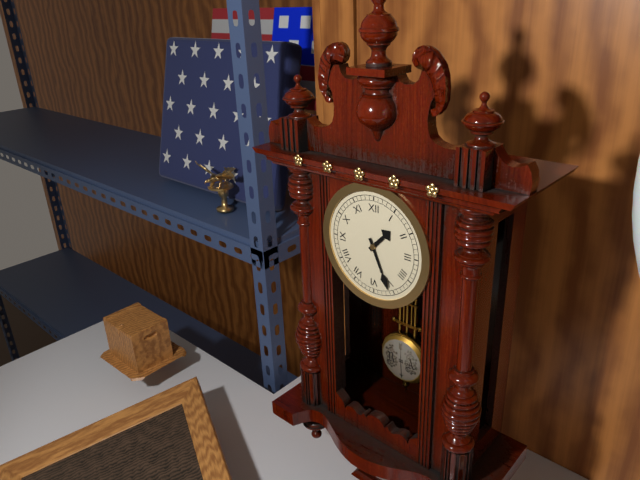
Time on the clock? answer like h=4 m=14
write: h=1 m=26
